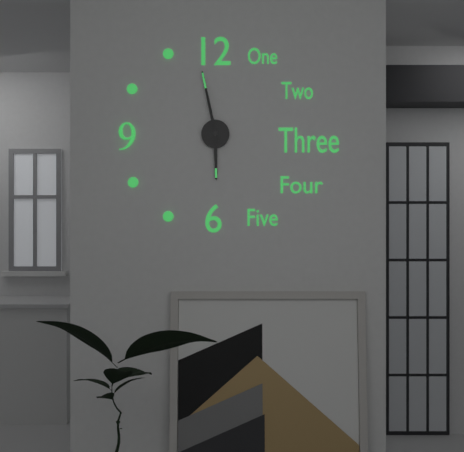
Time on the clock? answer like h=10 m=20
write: h=5 m=58
